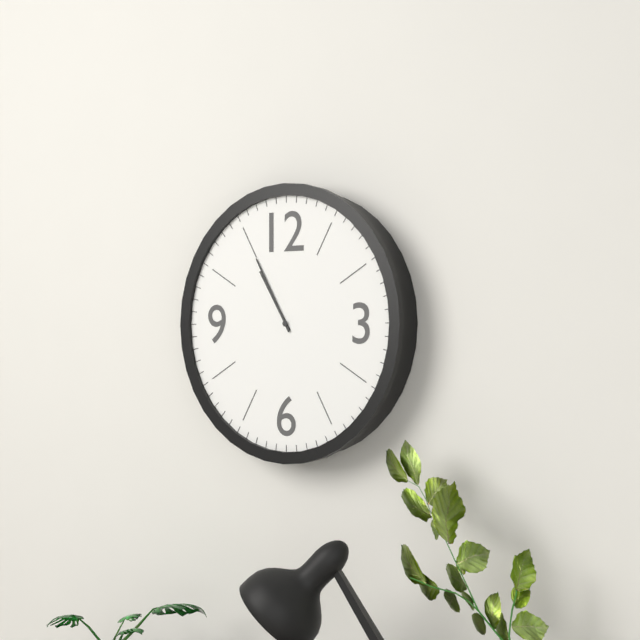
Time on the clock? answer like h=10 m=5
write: h=10 m=55
